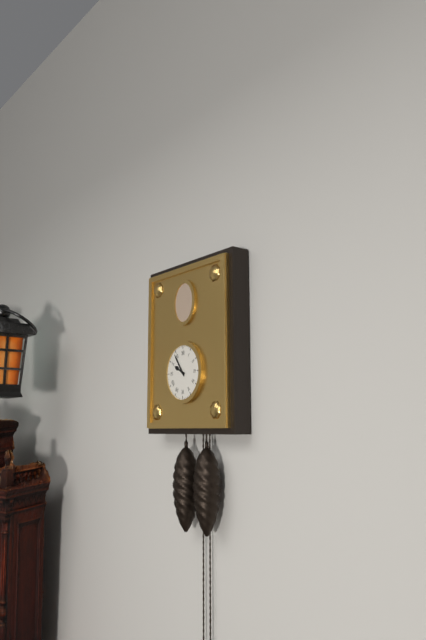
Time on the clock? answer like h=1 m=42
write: h=9 m=54
